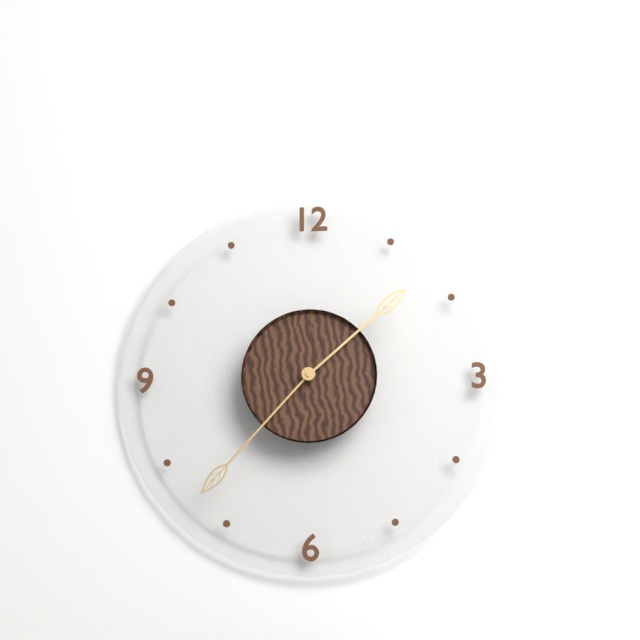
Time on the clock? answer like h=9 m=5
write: h=1 m=37
